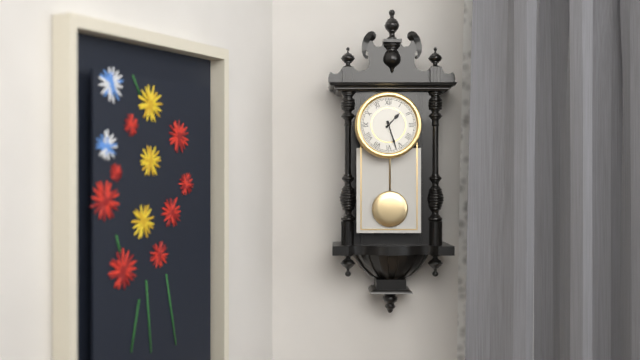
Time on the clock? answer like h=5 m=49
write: h=1 m=27
